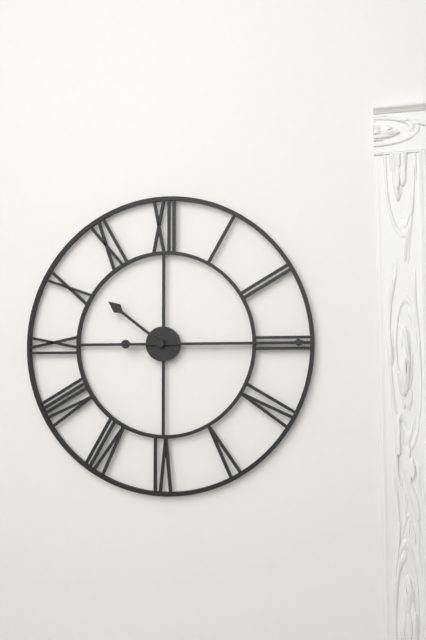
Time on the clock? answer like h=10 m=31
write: h=10 m=15
